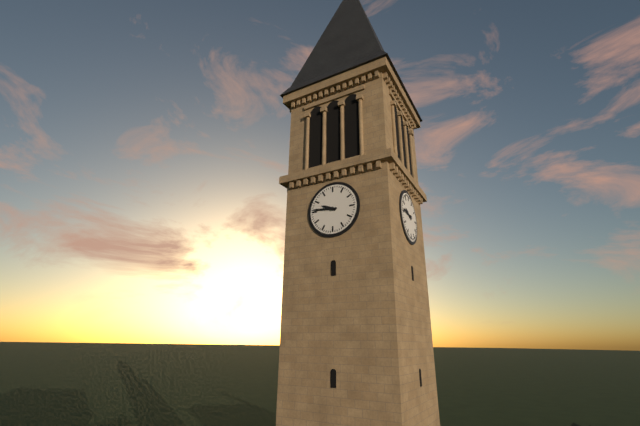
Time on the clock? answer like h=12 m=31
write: h=9 m=46
